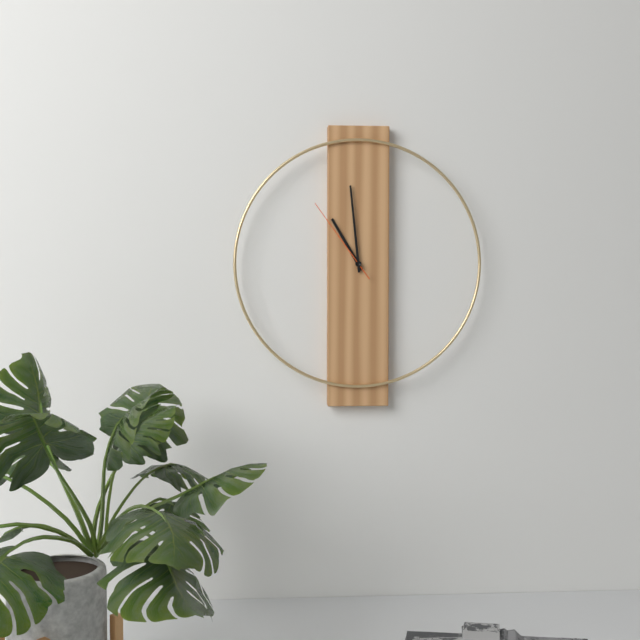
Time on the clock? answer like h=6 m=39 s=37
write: h=10 m=59 s=54
